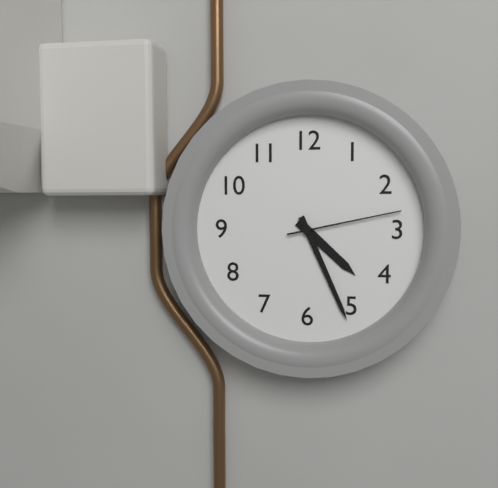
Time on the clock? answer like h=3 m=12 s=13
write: h=4 m=26 s=13
